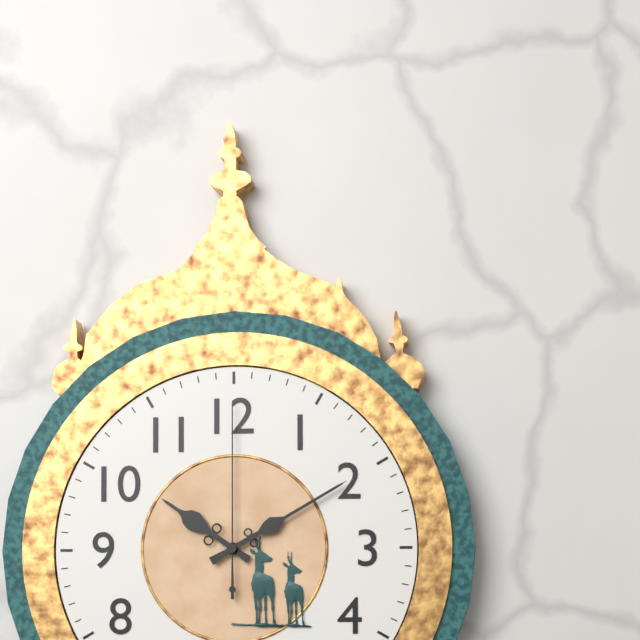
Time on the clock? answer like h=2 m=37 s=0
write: h=10 m=10 s=0
